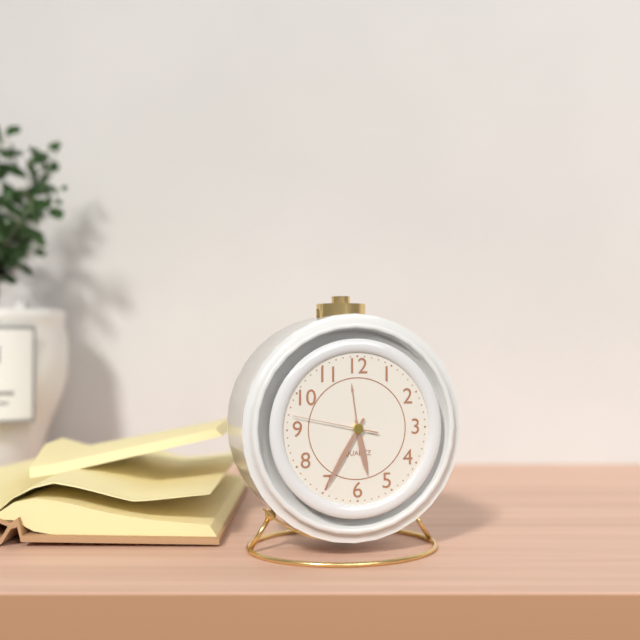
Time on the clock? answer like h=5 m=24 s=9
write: h=5 m=35 s=47
